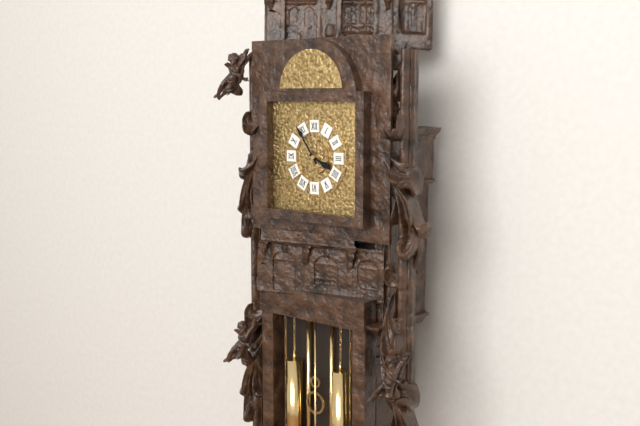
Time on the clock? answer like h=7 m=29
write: h=3 m=54
